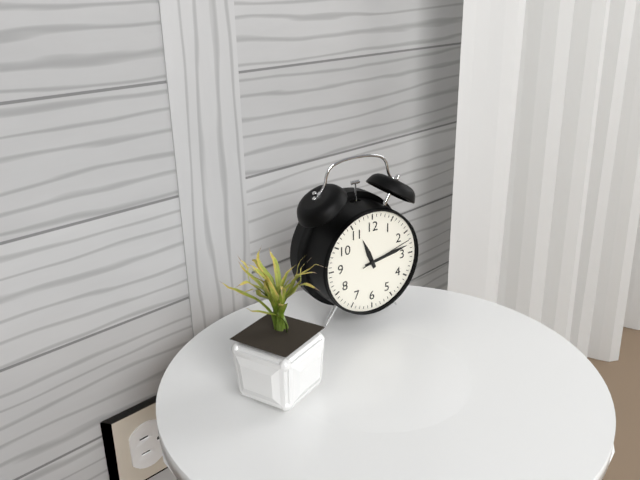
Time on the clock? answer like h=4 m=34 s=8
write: h=11 m=13 s=12
